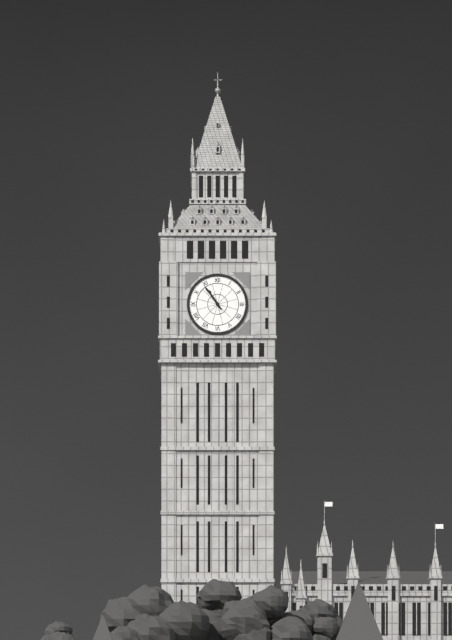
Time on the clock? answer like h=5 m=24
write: h=10 m=54
